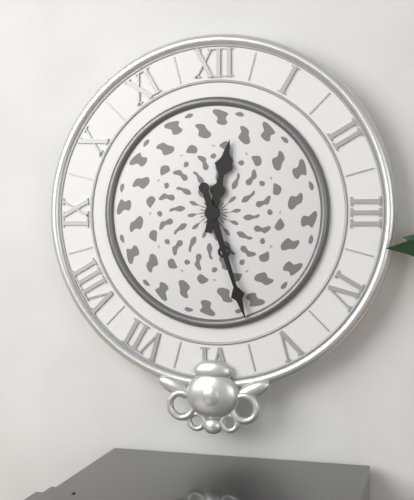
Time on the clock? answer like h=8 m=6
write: h=12 m=27
